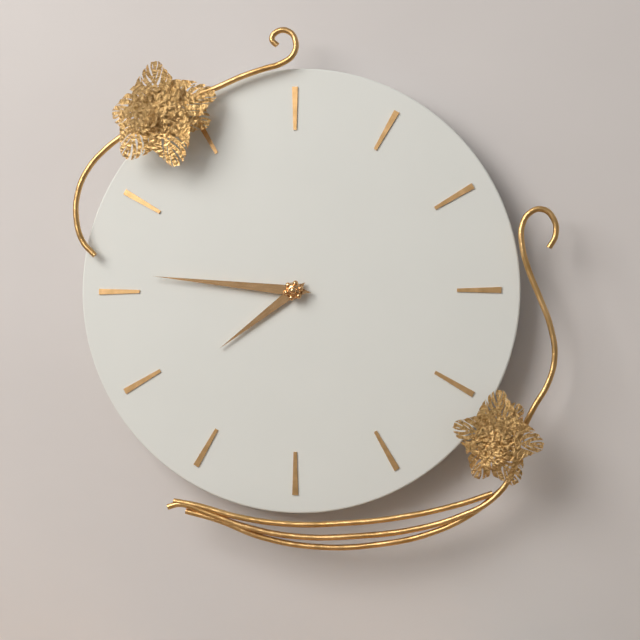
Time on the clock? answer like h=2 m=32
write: h=7 m=46
